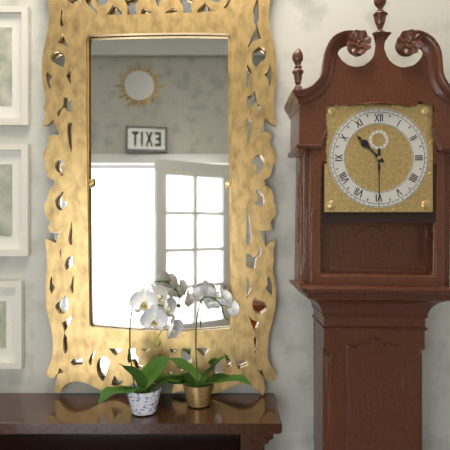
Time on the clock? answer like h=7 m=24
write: h=10 m=30
